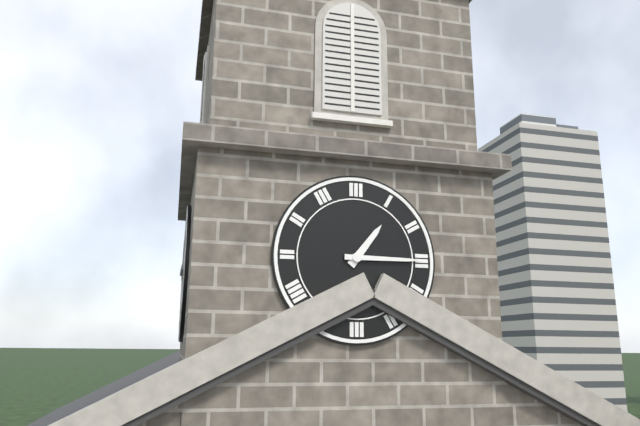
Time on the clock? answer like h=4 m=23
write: h=1 m=15
